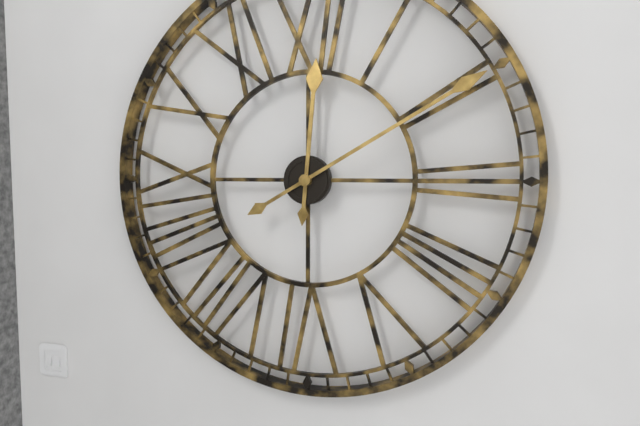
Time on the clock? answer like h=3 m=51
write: h=12 m=10
